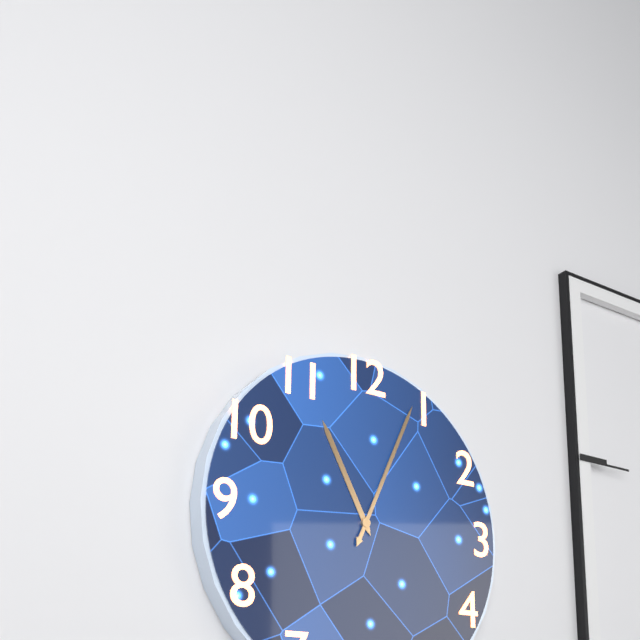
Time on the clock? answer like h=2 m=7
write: h=11 m=4
